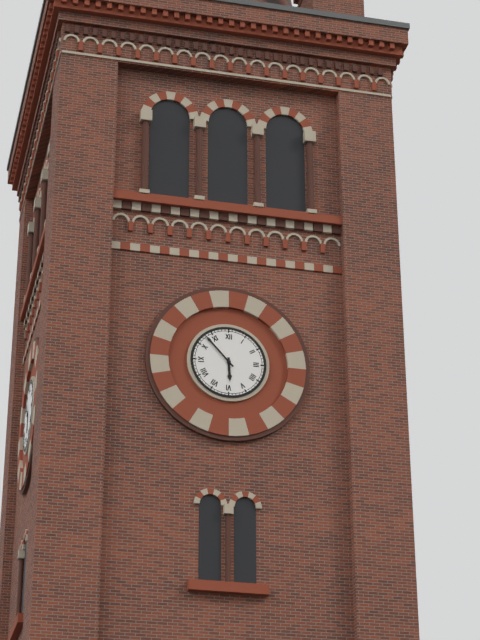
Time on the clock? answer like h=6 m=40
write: h=5 m=53
